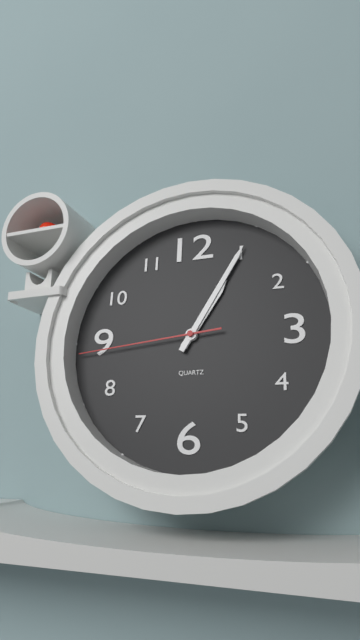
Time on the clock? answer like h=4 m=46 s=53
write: h=1 m=5 s=44
